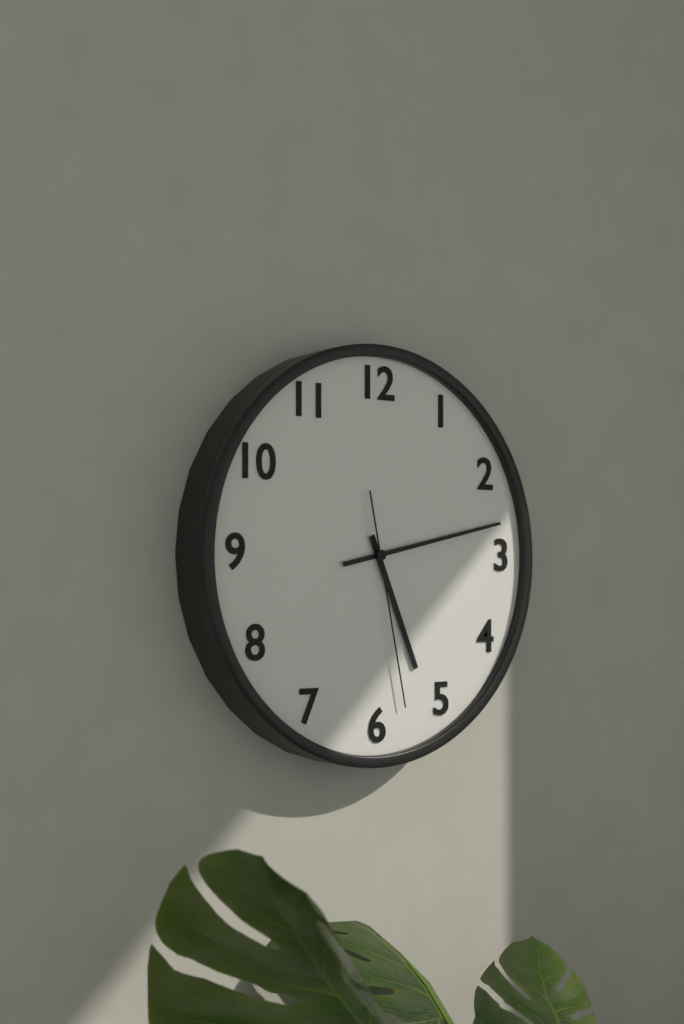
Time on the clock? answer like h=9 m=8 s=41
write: h=5 m=13 s=28
